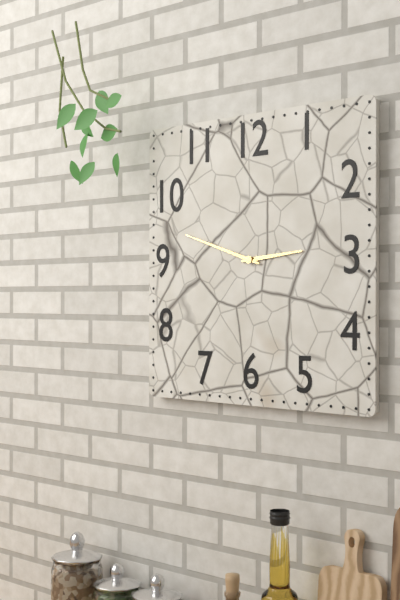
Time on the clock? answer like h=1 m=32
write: h=2 m=48
